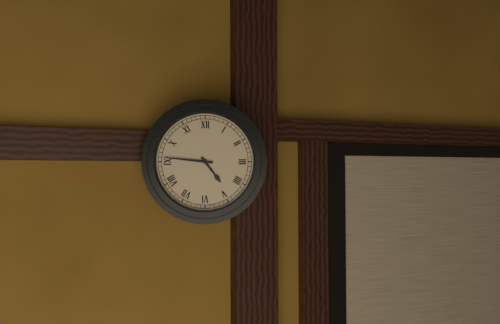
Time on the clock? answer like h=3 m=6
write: h=4 m=46
